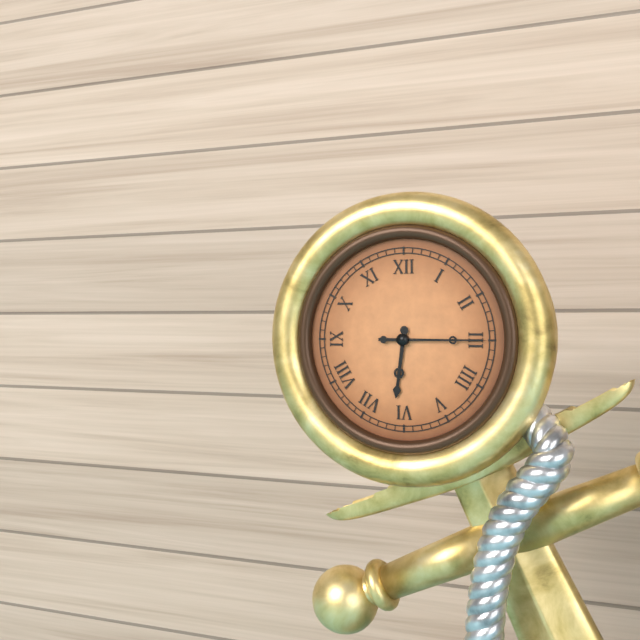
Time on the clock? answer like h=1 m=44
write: h=6 m=15
